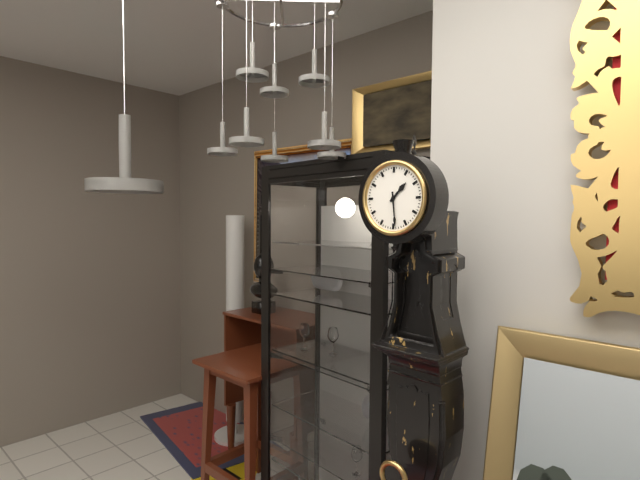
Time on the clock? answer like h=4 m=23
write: h=1 m=29
